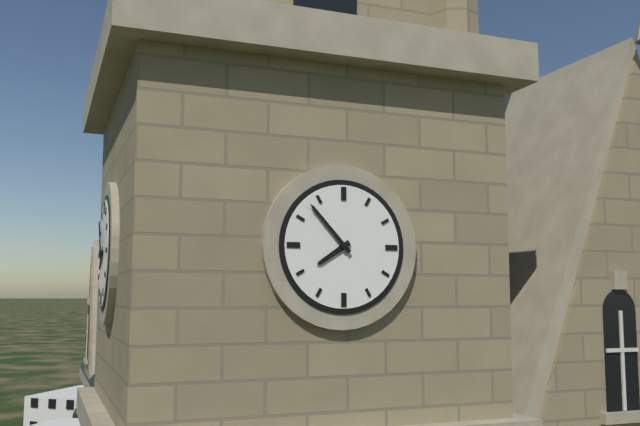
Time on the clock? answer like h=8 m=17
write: h=7 m=53
